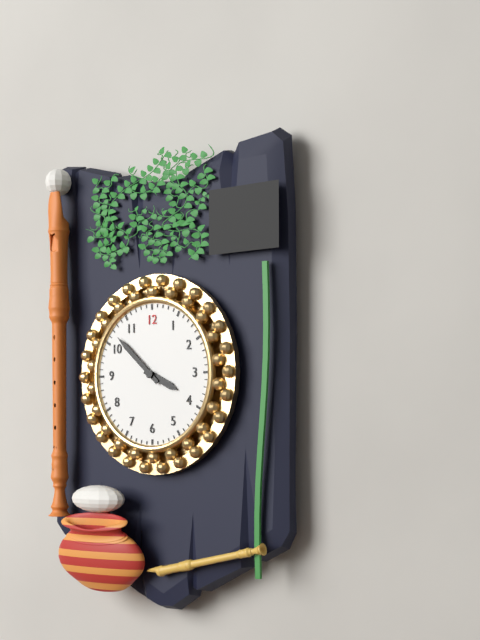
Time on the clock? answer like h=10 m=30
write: h=3 m=52
